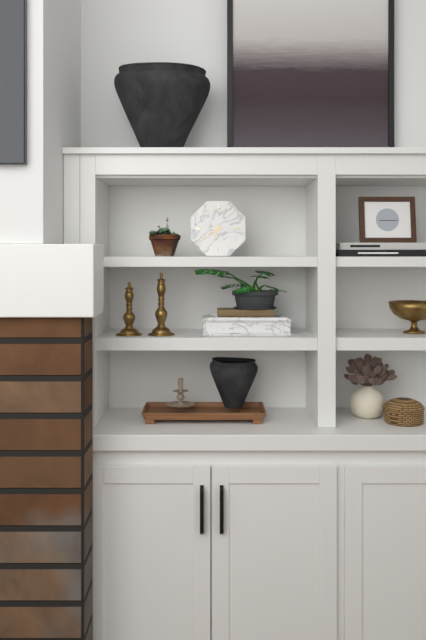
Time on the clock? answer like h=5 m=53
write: h=6 m=39
